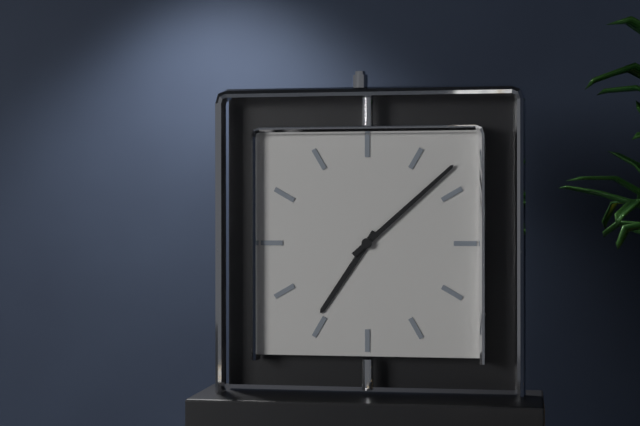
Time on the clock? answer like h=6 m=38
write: h=7 m=8
